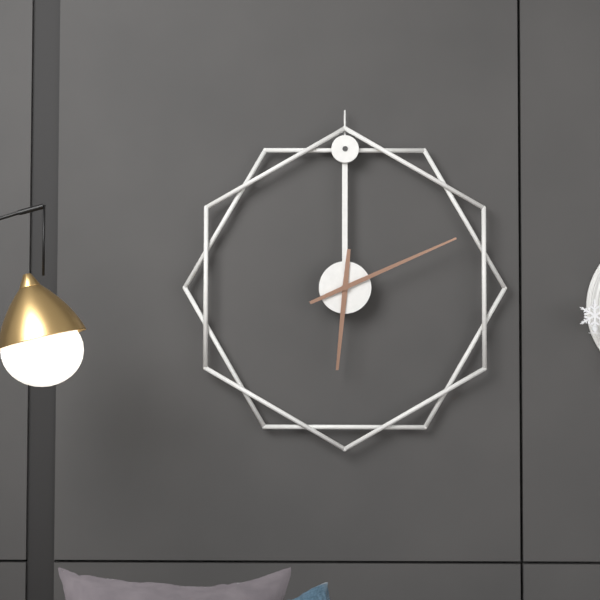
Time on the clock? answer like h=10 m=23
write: h=6 m=11
